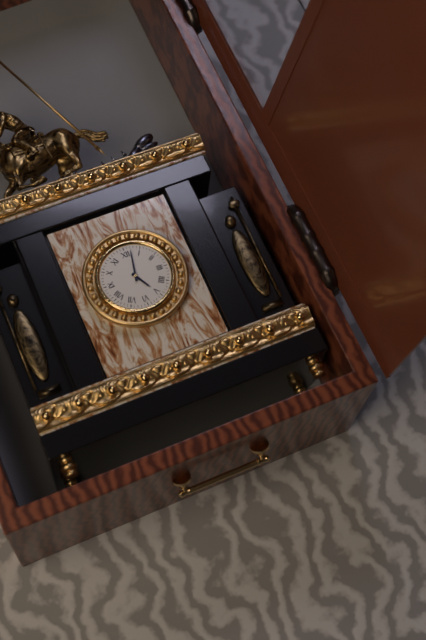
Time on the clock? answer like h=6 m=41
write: h=5 m=2
